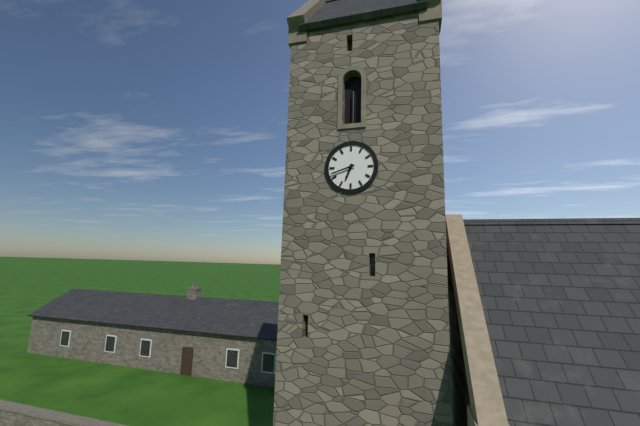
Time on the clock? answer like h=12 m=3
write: h=6 m=42
